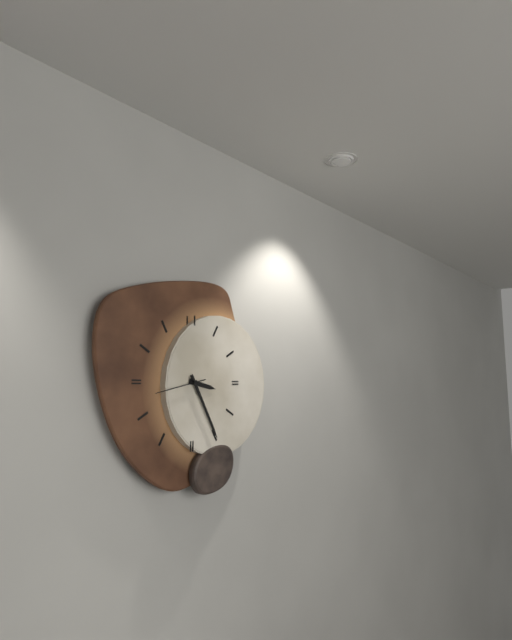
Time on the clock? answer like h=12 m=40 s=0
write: h=3 m=25 s=43
